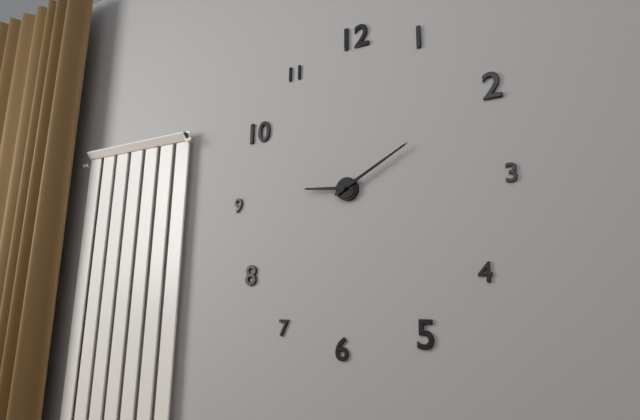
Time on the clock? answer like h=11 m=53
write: h=9 m=10
